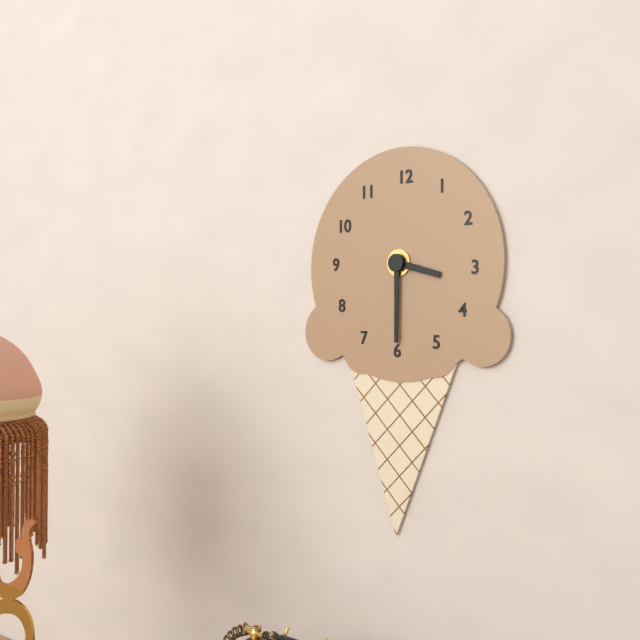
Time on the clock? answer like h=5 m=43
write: h=3 m=30
